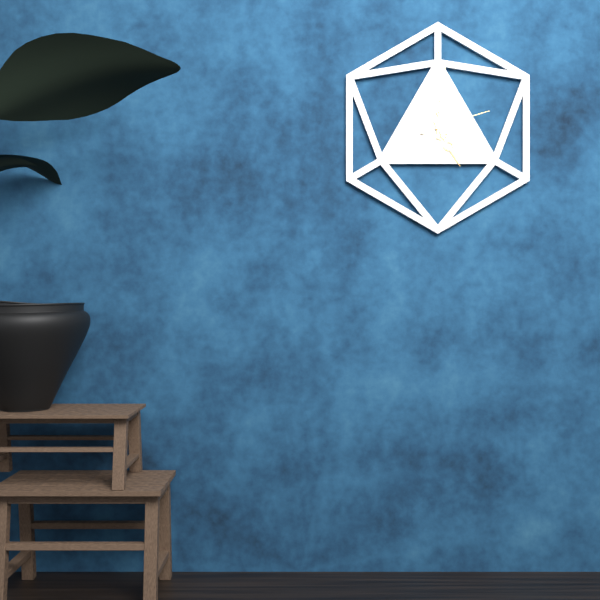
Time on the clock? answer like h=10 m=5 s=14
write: h=5 m=1 s=12
